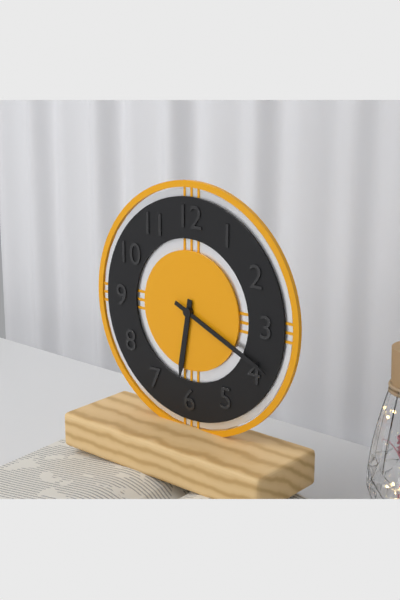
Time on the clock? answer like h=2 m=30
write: h=6 m=19
